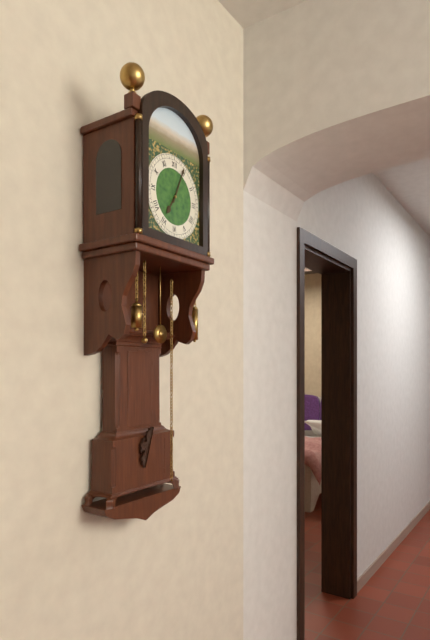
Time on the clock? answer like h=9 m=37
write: h=7 m=4
